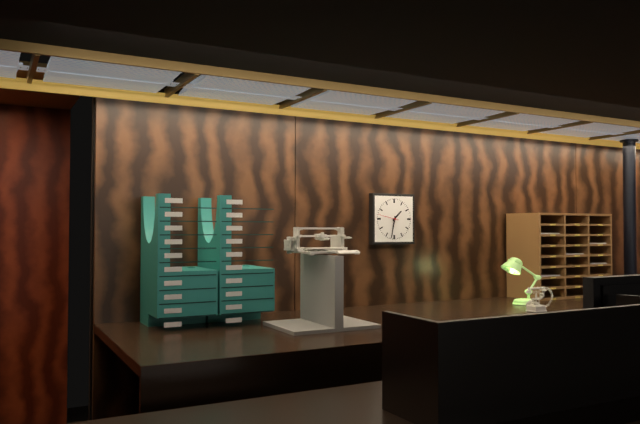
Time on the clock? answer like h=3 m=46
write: h=1 m=32
